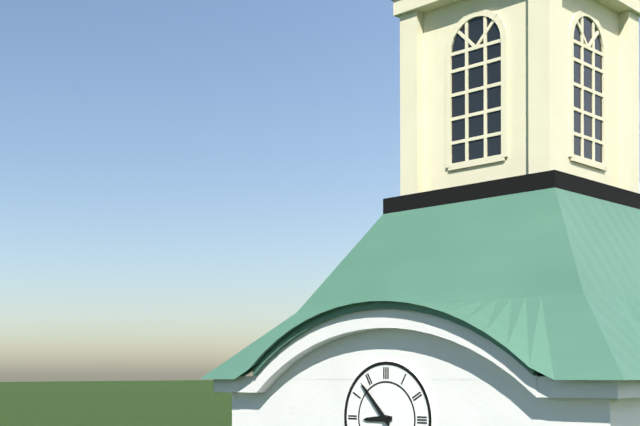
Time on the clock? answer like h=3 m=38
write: h=8 m=53
